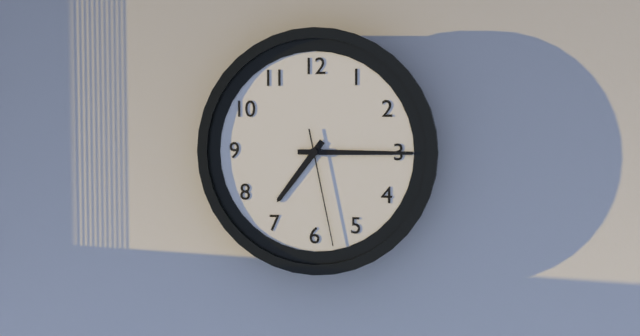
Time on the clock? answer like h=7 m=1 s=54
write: h=7 m=15 s=28
